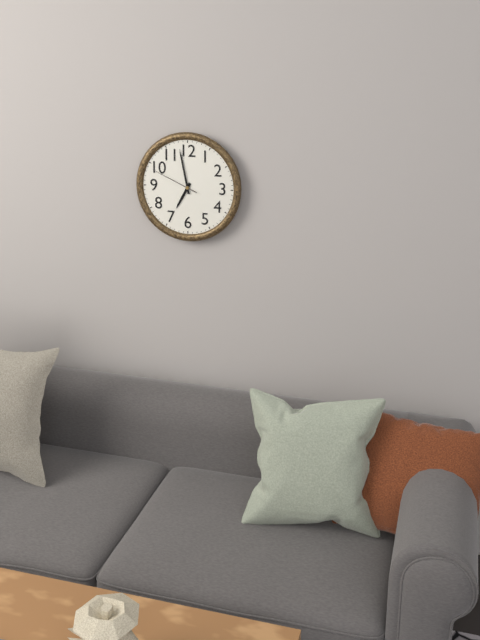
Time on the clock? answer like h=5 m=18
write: h=6 m=58
